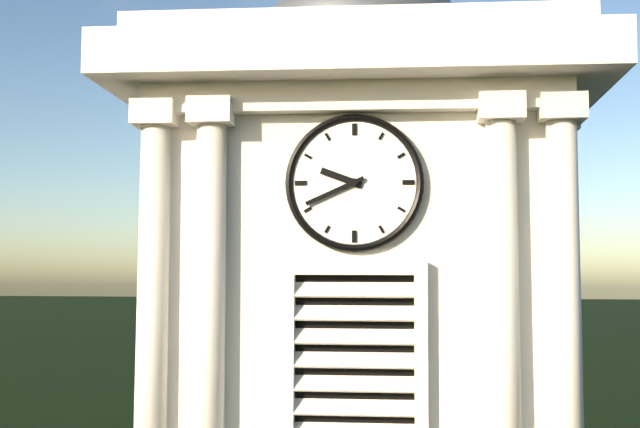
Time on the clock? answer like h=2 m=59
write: h=9 m=41
